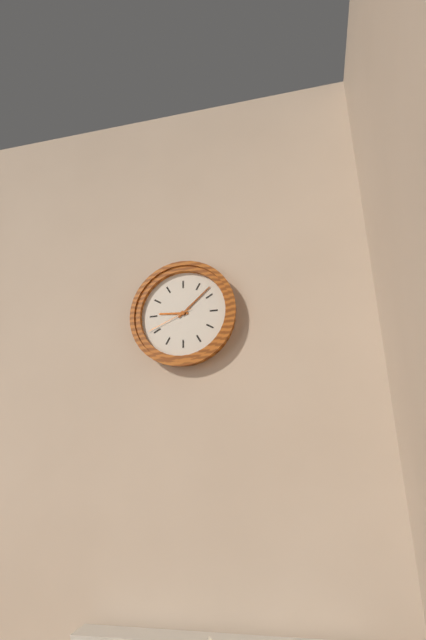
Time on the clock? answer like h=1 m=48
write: h=9 m=8
